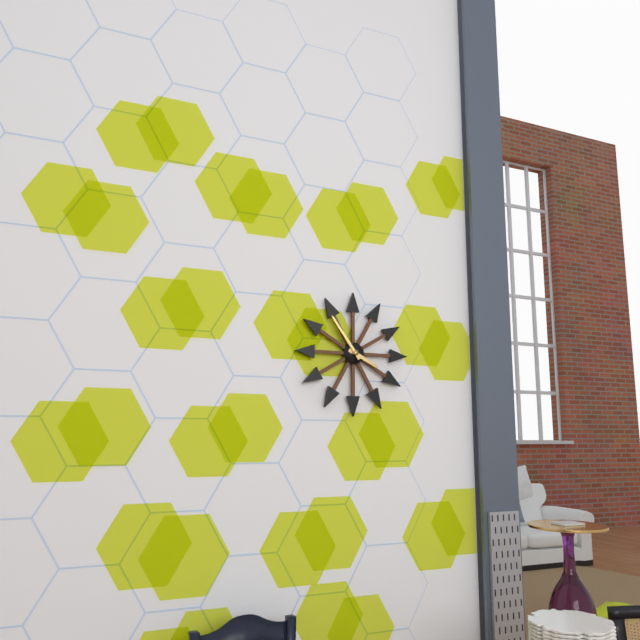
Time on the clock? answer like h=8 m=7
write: h=3 m=54
